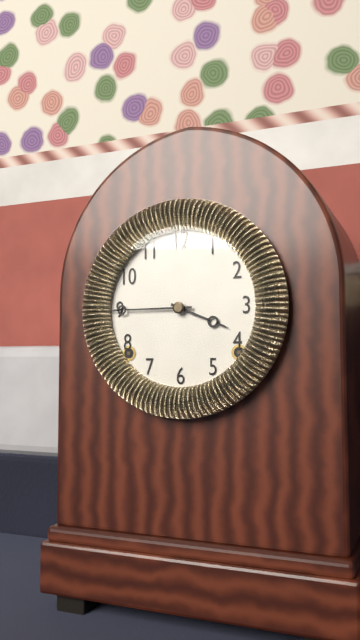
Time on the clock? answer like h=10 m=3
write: h=3 m=45
